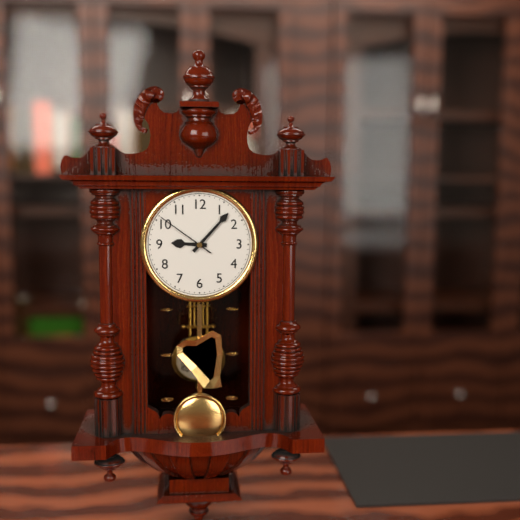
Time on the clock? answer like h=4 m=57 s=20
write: h=9 m=7 s=51
